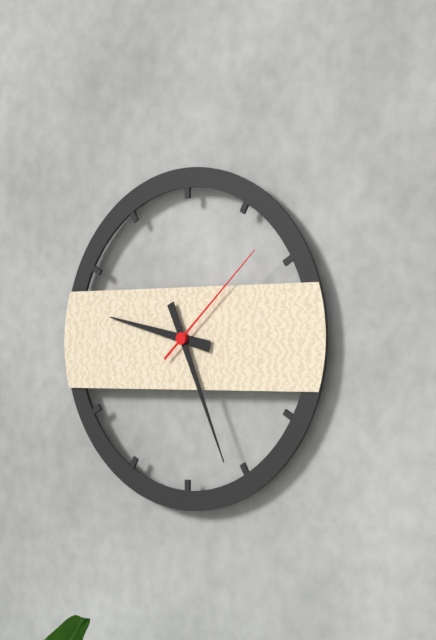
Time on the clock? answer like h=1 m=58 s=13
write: h=9 m=26 s=8
